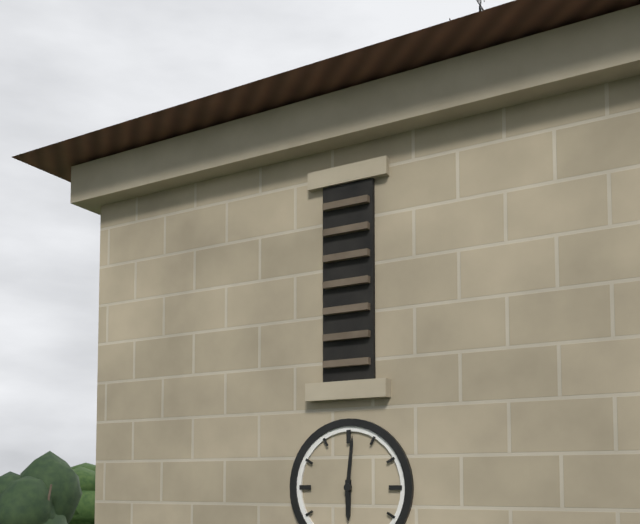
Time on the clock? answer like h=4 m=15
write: h=6 m=1
